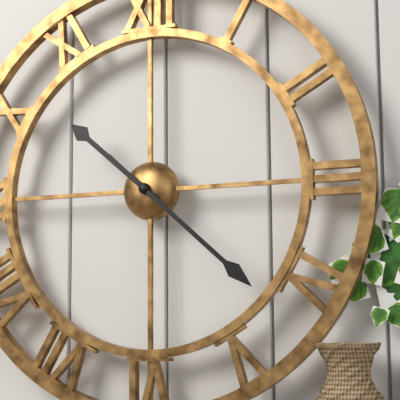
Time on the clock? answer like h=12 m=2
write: h=10 m=22
